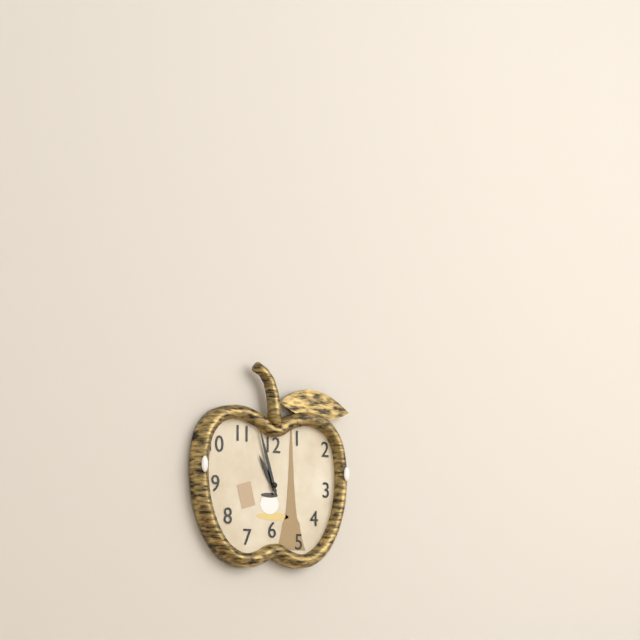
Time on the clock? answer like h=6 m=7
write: h=10 m=57
